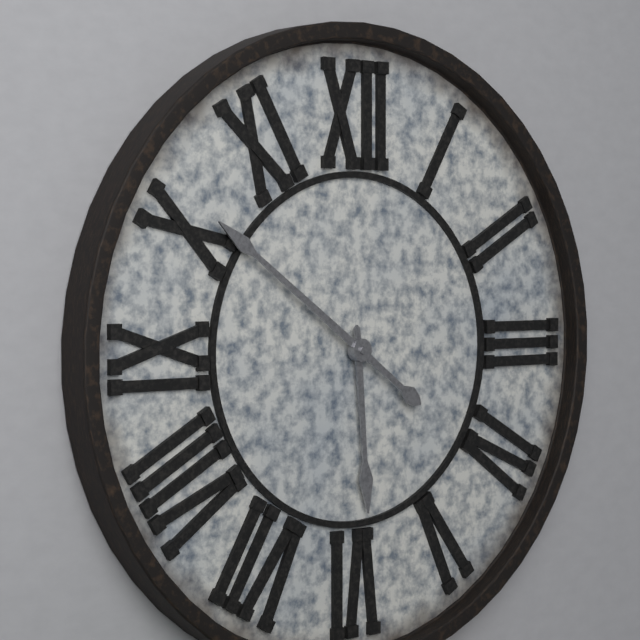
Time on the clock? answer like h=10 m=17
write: h=5 m=51
